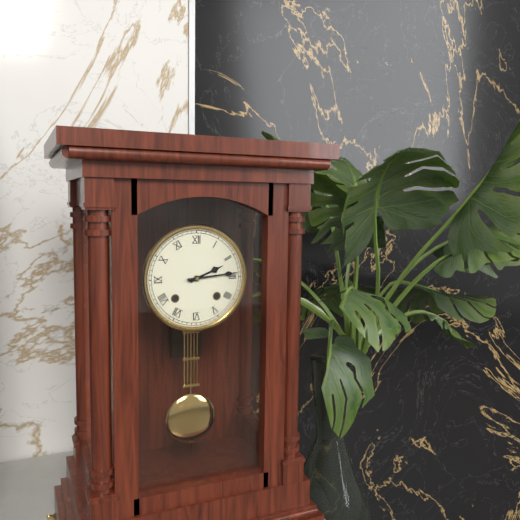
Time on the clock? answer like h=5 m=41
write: h=2 m=14
